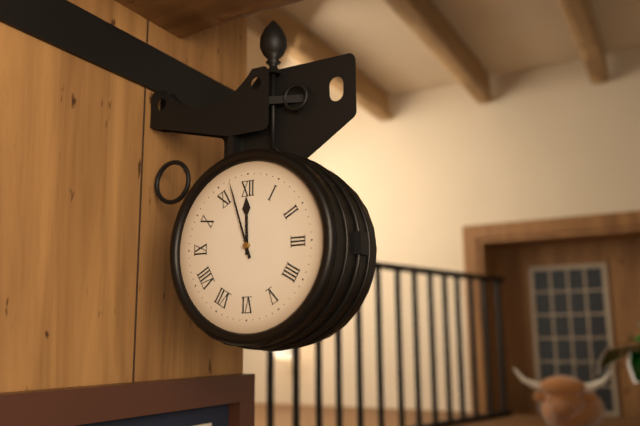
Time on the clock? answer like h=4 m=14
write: h=11 m=57
